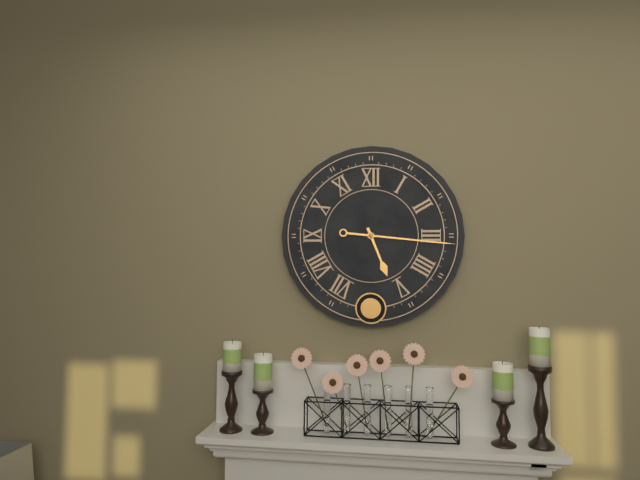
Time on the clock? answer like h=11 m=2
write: h=5 m=16
